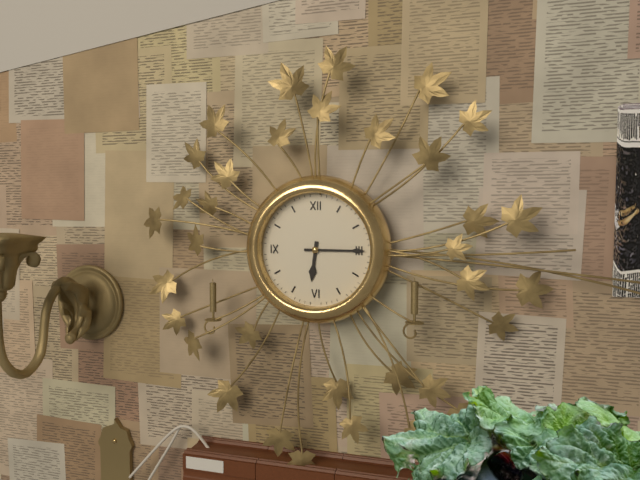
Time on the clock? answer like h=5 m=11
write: h=6 m=15
